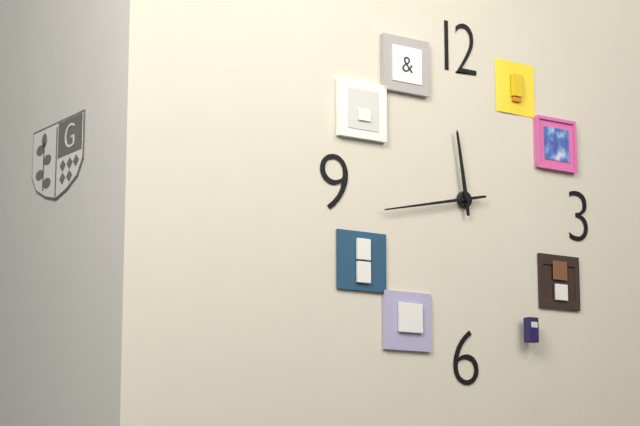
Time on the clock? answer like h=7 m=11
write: h=11 m=43
